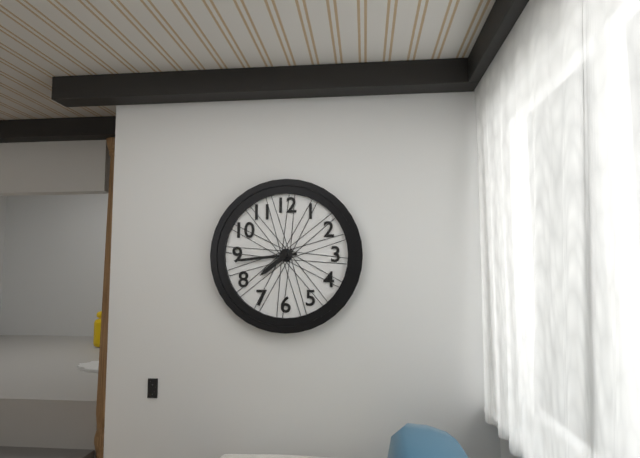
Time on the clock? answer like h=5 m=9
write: h=7 m=44
